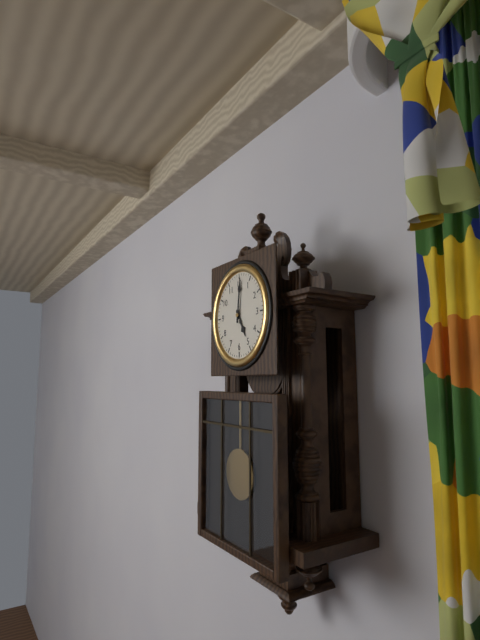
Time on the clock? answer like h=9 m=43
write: h=5 m=1
